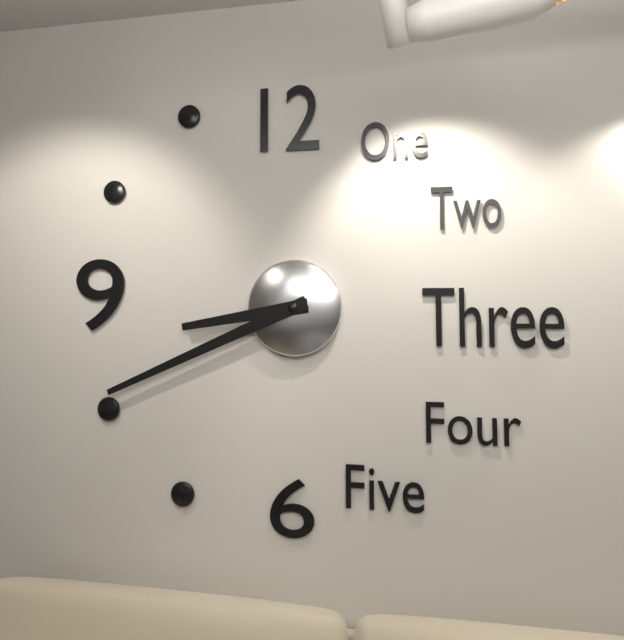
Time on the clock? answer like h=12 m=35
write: h=8 m=41
